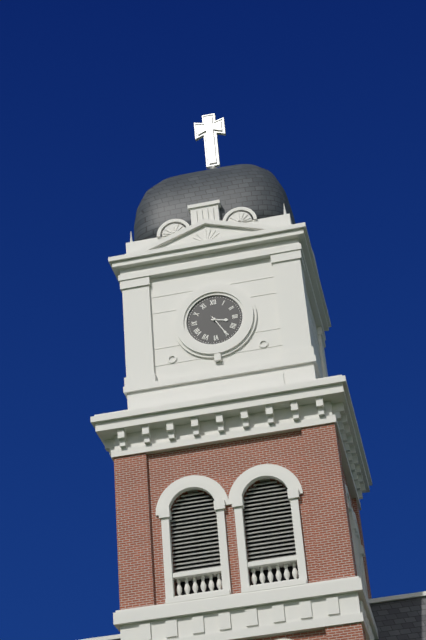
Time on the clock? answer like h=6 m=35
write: h=3 m=25
